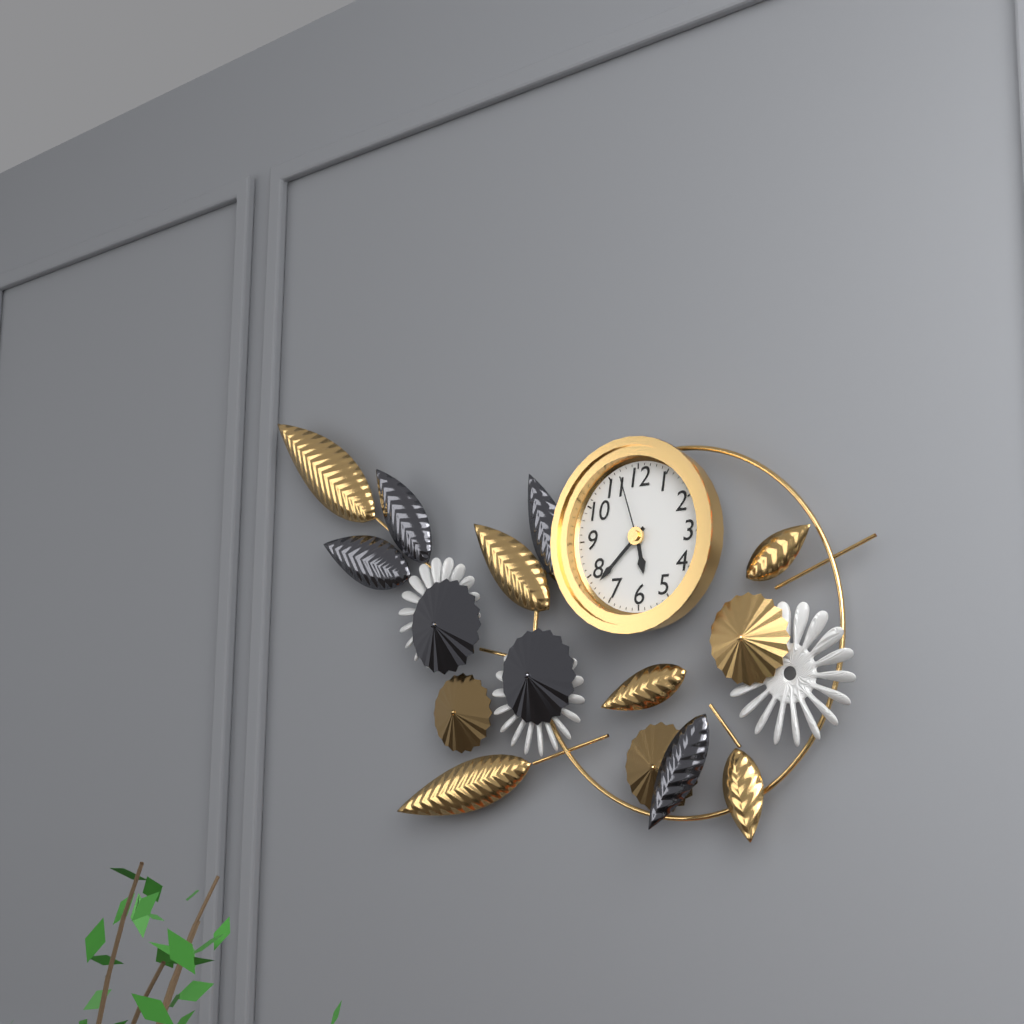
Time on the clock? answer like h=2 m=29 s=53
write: h=5 m=38 s=57
